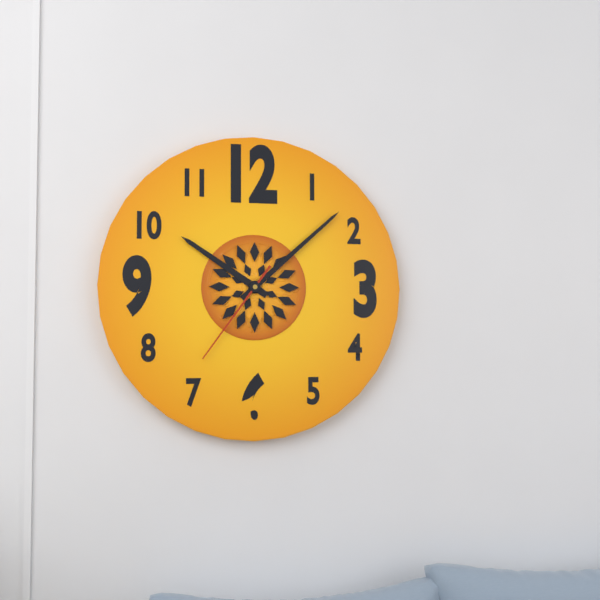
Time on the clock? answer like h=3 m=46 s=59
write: h=10 m=8 s=36
